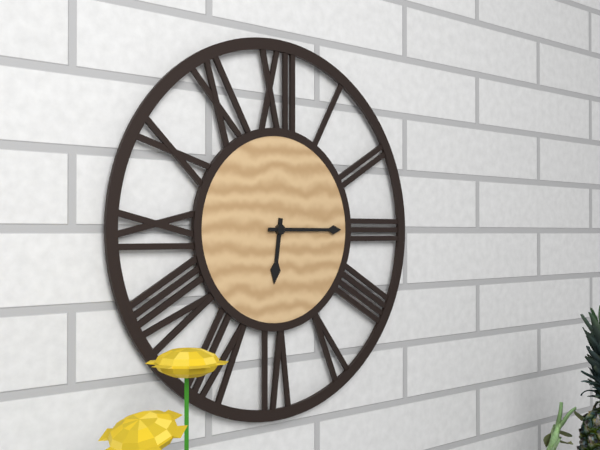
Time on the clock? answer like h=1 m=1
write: h=6 m=15
